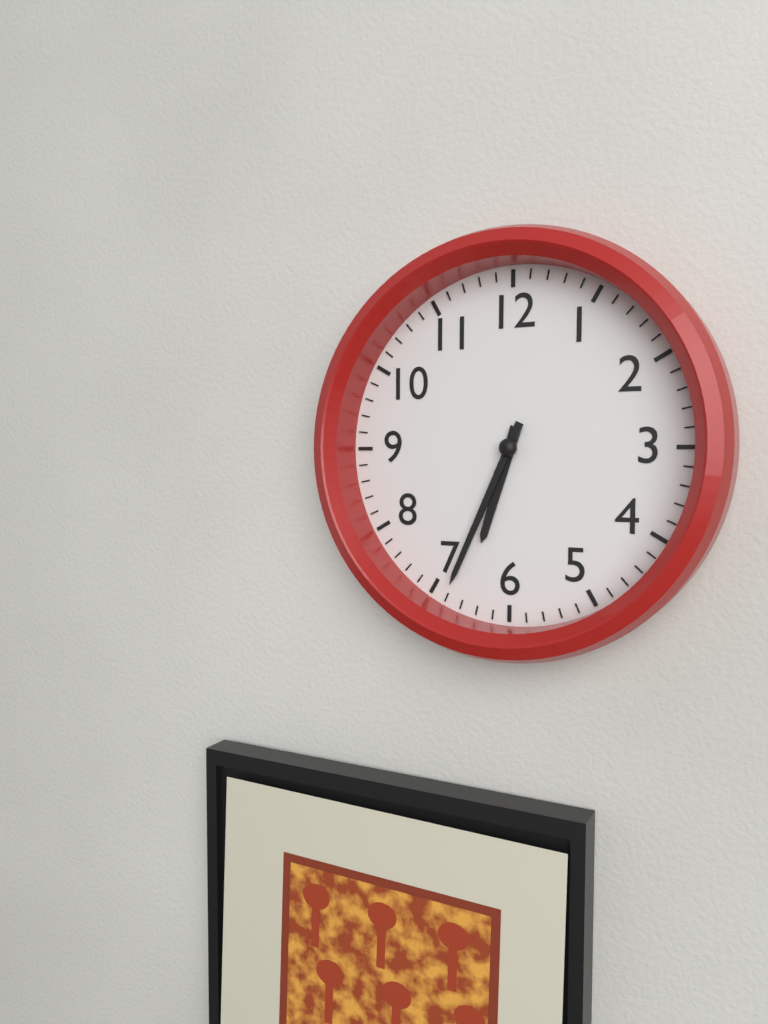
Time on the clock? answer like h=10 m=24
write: h=6 m=34
